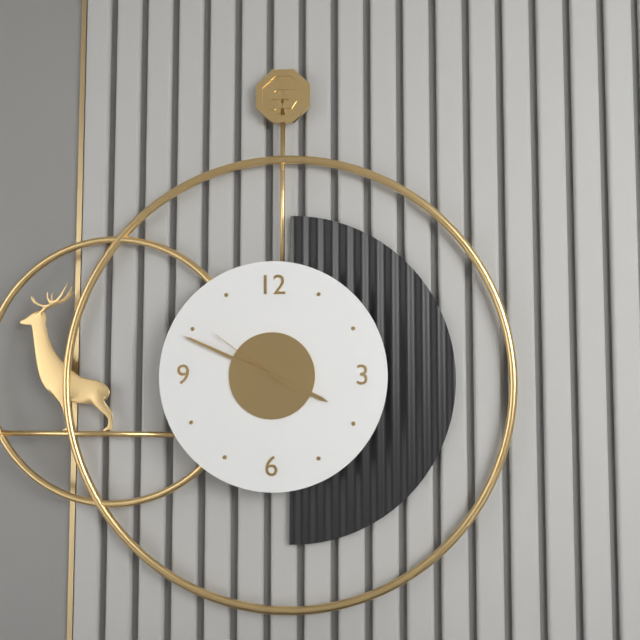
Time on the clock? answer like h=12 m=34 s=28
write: h=3 m=49 s=51
